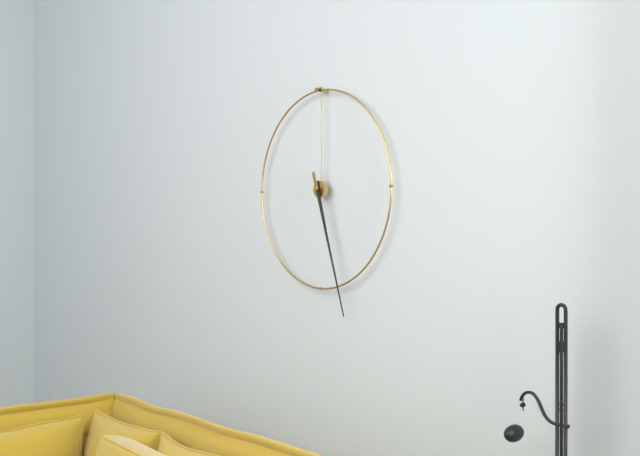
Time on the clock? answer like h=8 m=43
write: h=5 m=27
